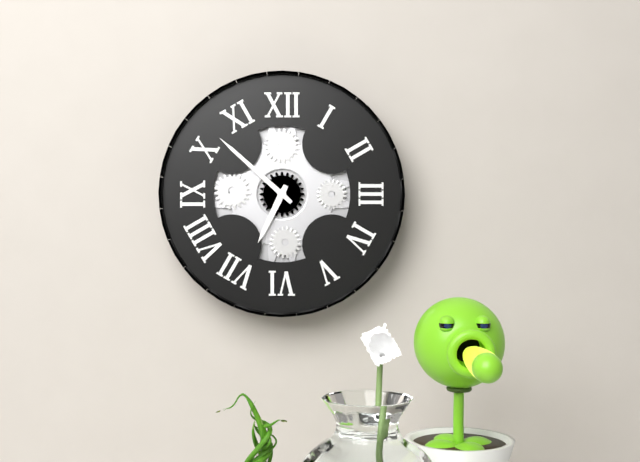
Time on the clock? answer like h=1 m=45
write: h=6 m=52
